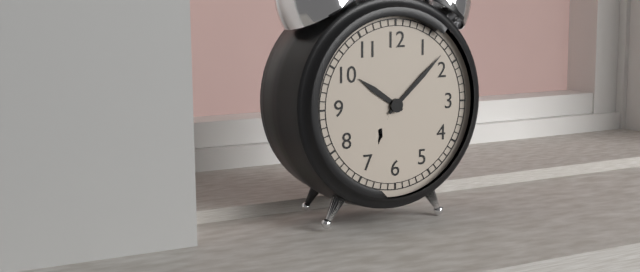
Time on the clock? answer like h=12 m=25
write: h=10 m=8
